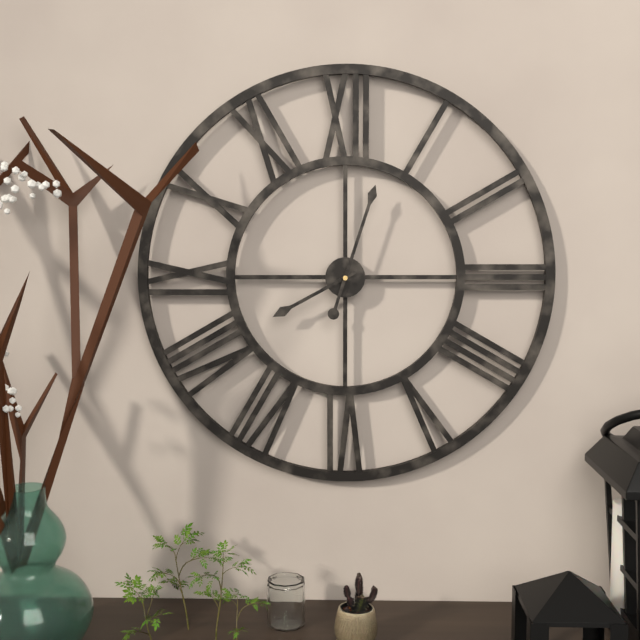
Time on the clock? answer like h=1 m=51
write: h=8 m=3
